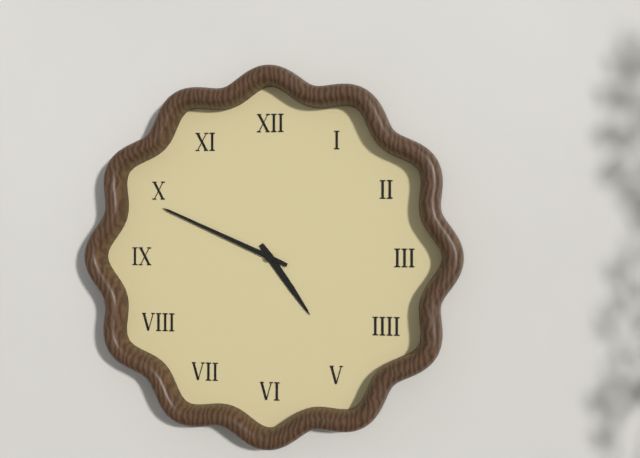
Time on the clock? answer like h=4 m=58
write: h=4 m=49
